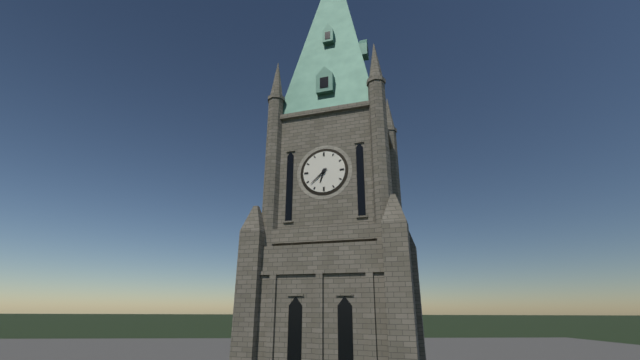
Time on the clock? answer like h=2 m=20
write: h=6 m=38
